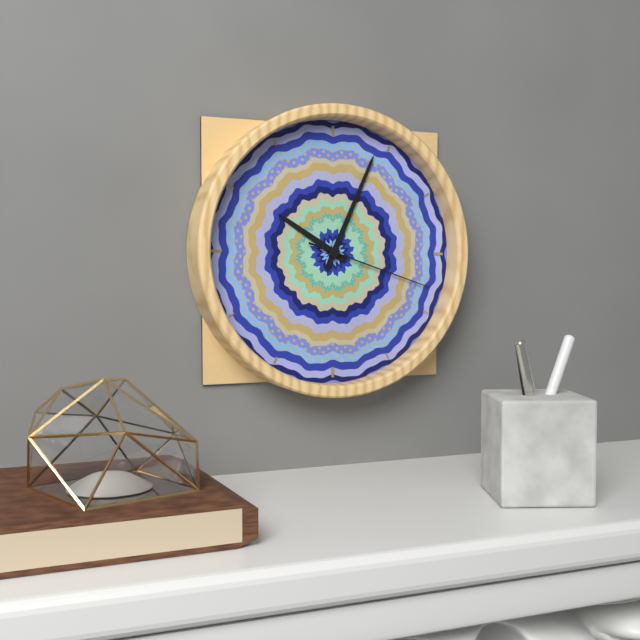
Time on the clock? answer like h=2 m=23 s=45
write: h=10 m=4 s=18
